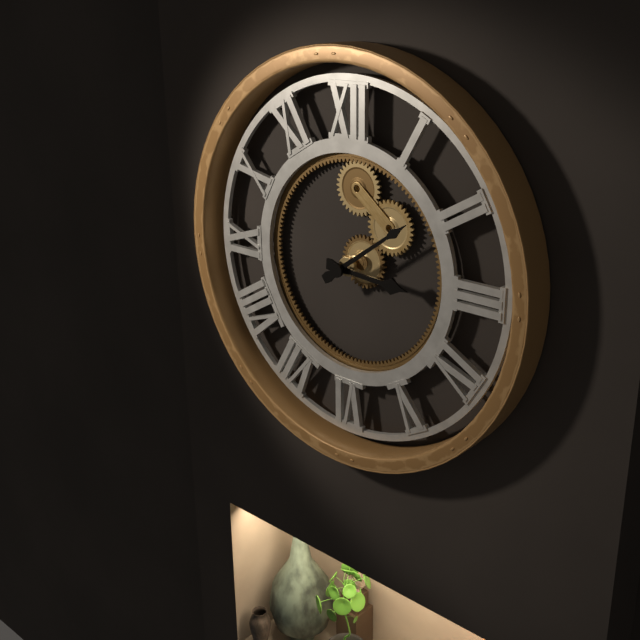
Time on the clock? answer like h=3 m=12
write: h=3 m=9
